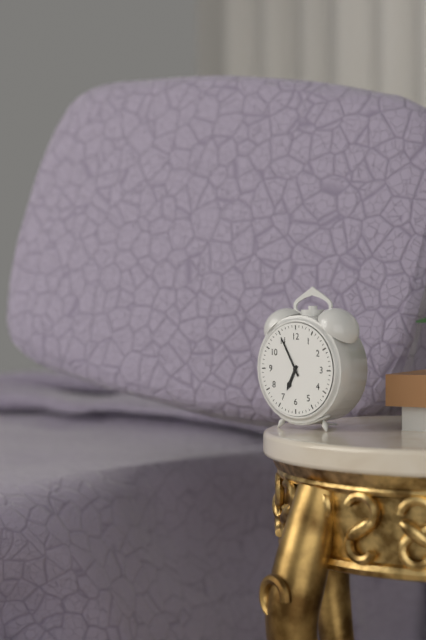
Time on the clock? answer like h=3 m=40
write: h=6 m=55
